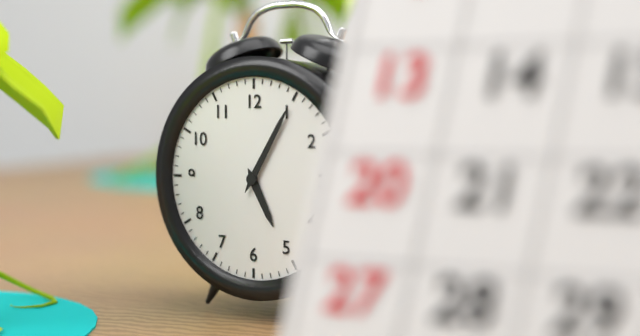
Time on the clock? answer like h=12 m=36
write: h=5 m=5
